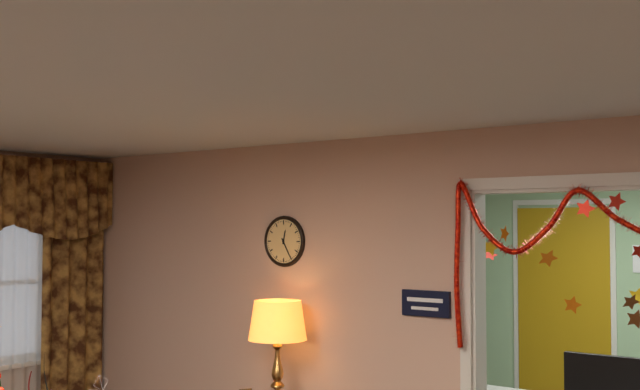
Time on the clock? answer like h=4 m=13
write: h=12 m=25
